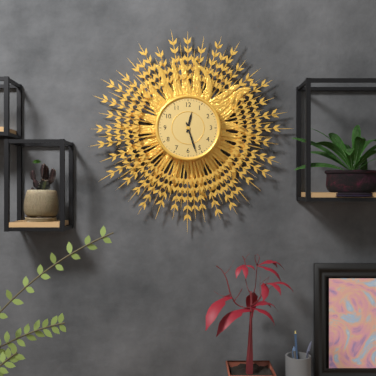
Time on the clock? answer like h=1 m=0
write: h=12 m=27
